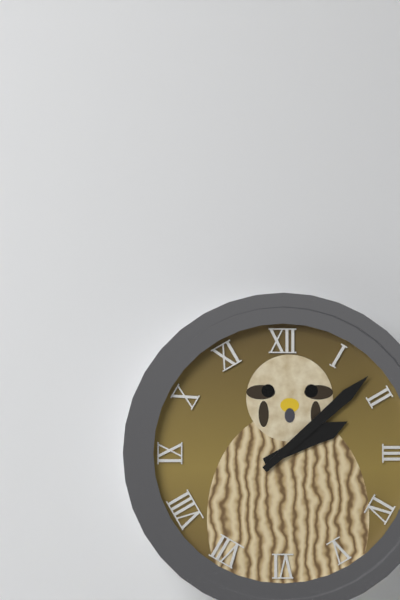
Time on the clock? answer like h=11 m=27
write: h=2 m=8
